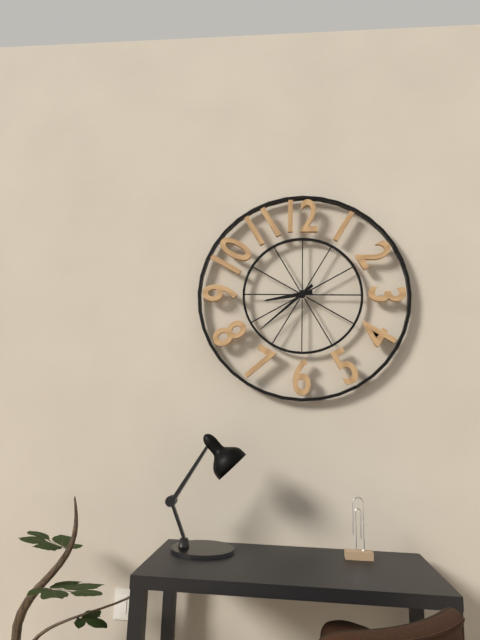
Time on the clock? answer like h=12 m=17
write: h=8 m=38
